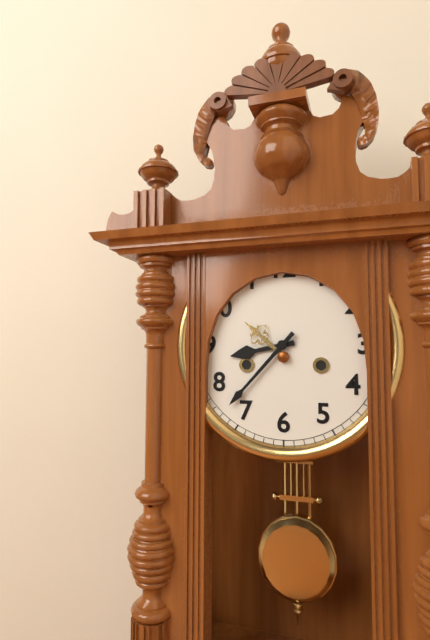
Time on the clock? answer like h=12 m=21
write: h=8 m=37
